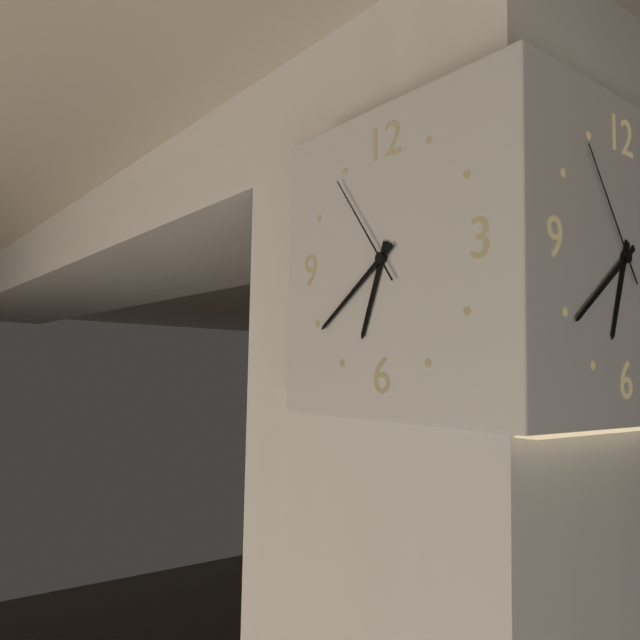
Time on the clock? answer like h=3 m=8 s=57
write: h=6 m=39 s=54
